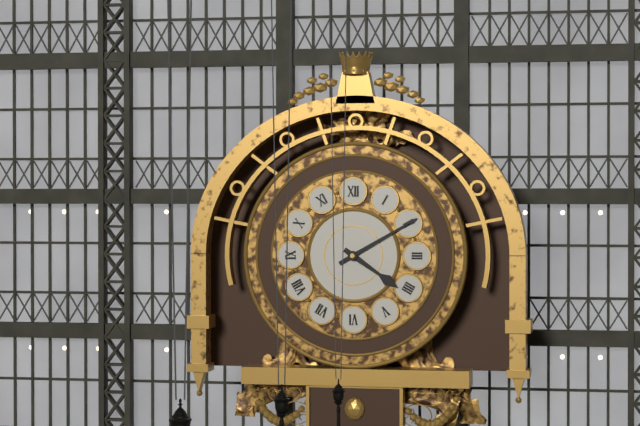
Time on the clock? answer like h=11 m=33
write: h=4 m=10
